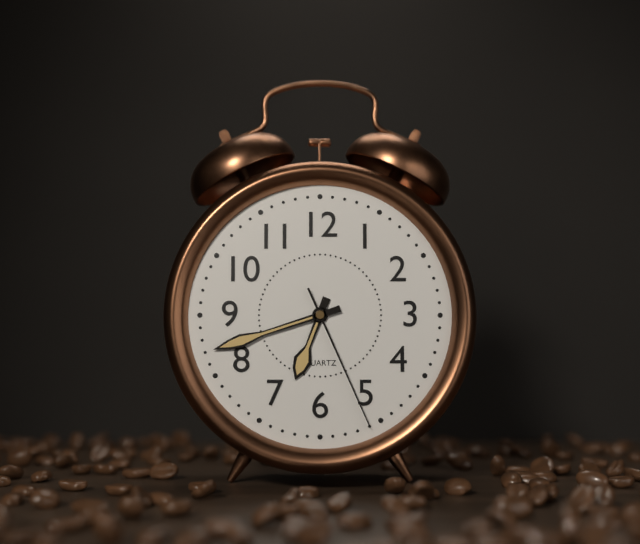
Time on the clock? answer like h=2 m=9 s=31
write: h=6 m=42 s=26
